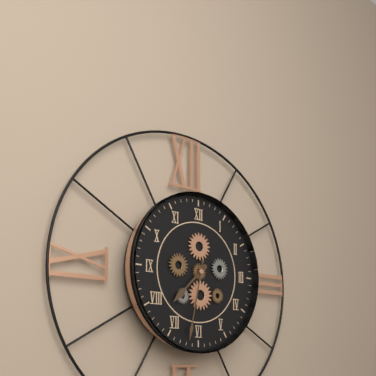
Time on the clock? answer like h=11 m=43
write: h=7 m=32
